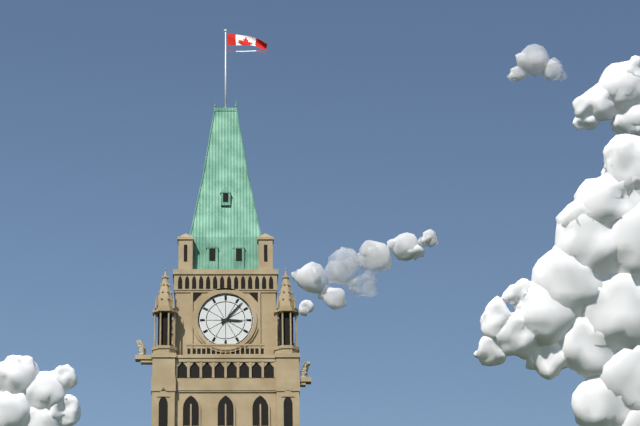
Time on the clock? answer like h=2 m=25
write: h=3 m=7
